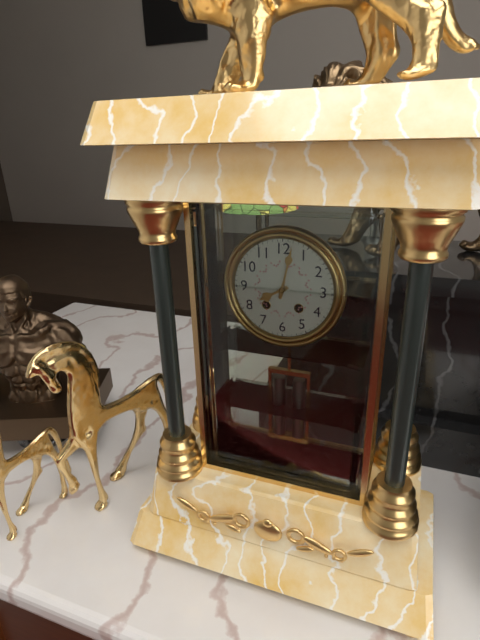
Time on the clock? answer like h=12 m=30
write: h=8 m=2
